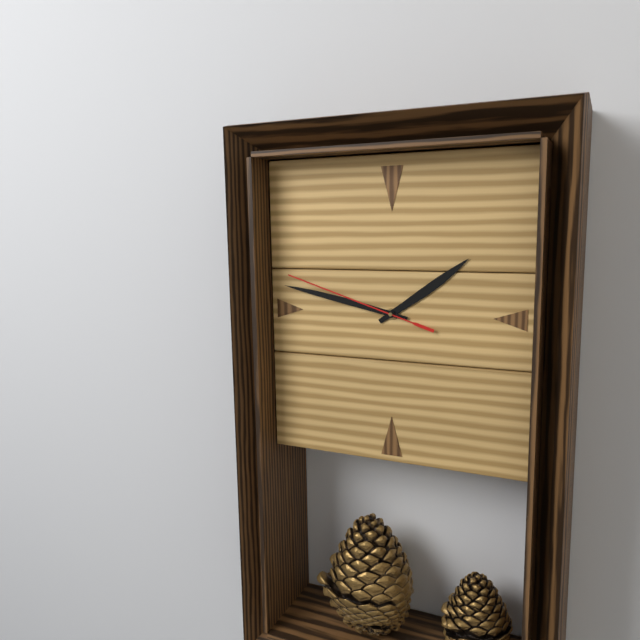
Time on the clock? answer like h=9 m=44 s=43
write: h=1 m=47 s=48
